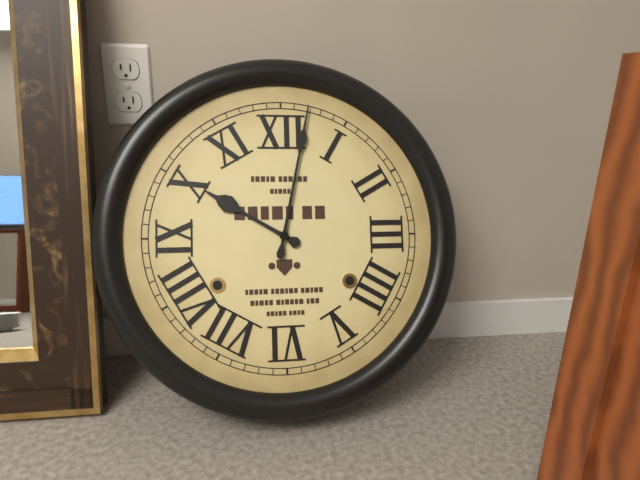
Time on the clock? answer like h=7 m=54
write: h=10 m=2
